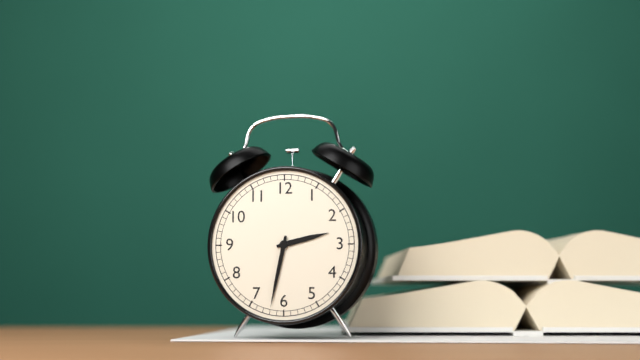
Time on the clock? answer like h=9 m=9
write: h=2 m=32
